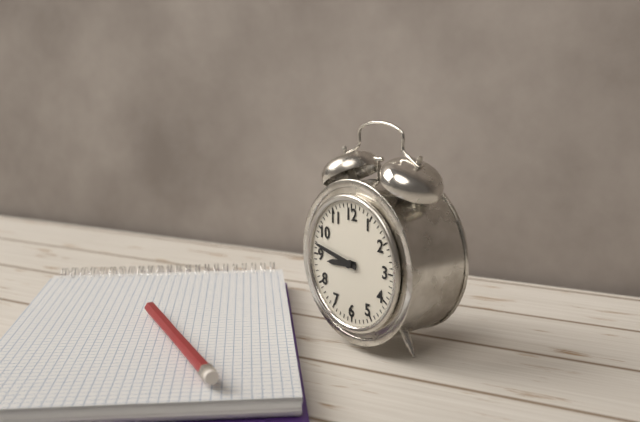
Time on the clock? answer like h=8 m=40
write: h=8 m=47
